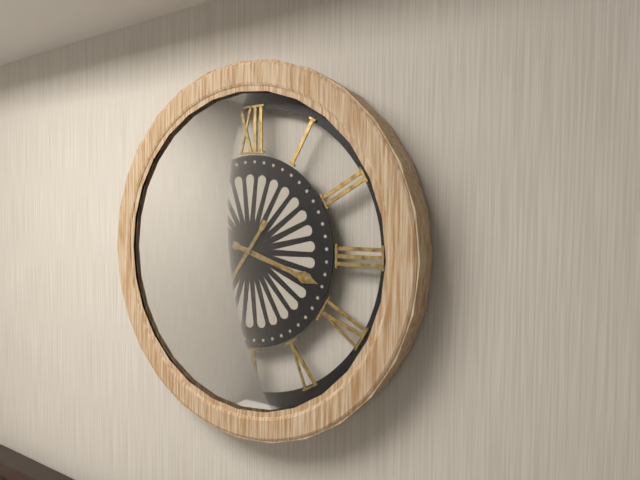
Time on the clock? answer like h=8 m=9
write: h=3 m=36
